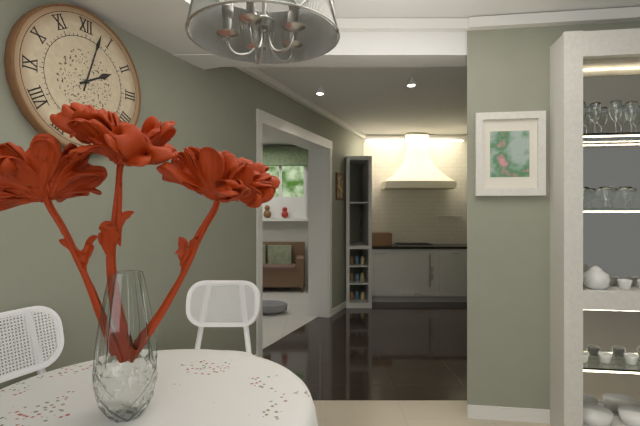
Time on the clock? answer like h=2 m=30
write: h=2 m=3
